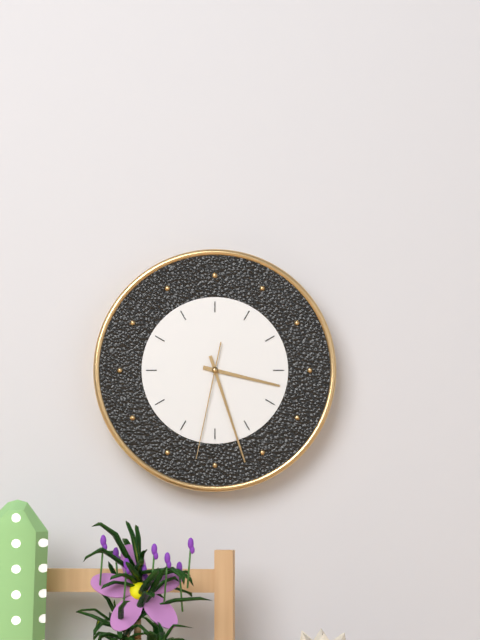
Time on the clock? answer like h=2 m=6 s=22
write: h=3 m=27 s=32
